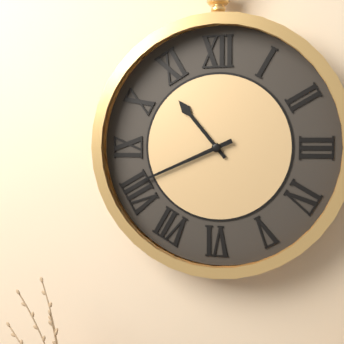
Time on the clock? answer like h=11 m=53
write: h=10 m=41
